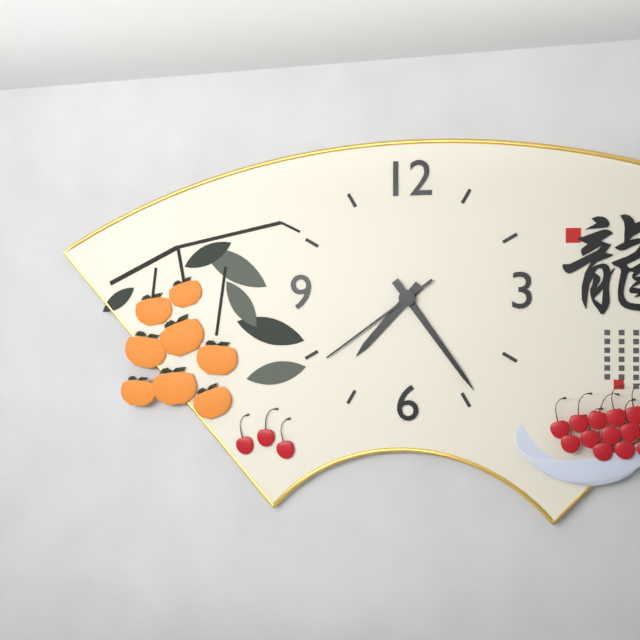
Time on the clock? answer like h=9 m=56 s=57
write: h=7 m=24 s=39
